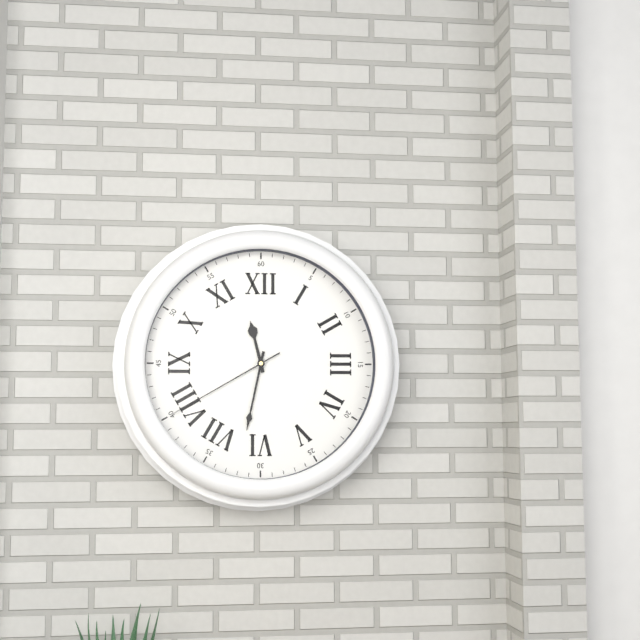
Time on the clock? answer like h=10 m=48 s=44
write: h=11 m=32 s=40
